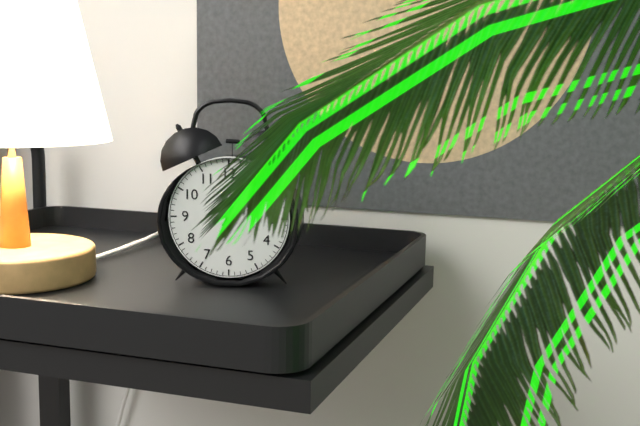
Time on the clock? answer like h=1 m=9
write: h=1 m=6
